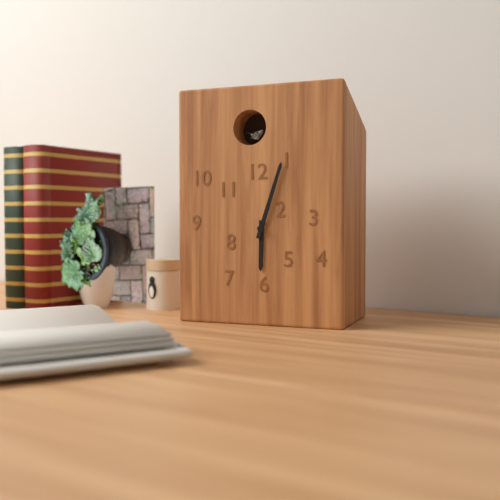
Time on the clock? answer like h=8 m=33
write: h=6 m=3
